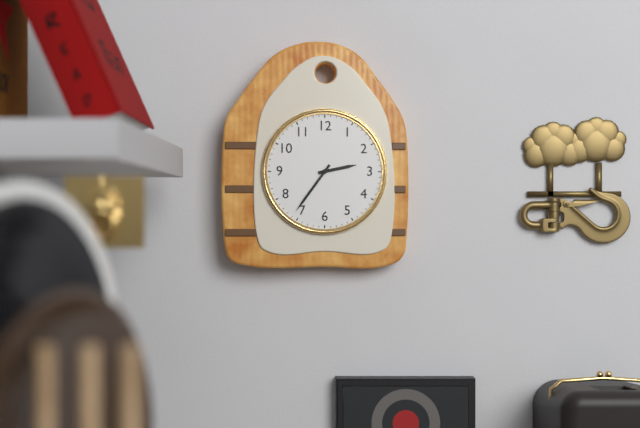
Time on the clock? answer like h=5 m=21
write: h=2 m=36
